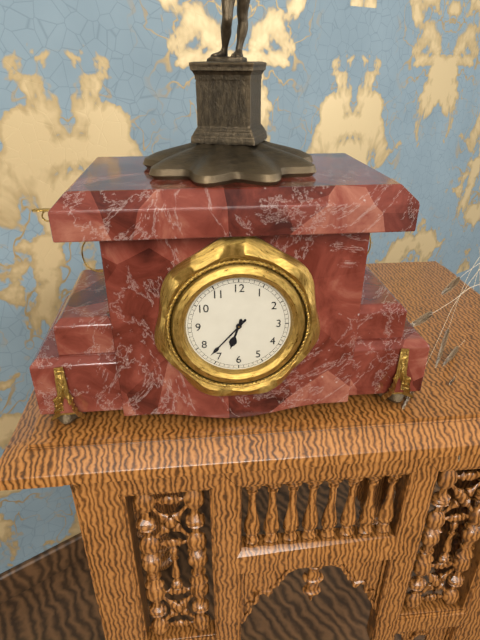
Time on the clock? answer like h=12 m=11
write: h=6 m=37
